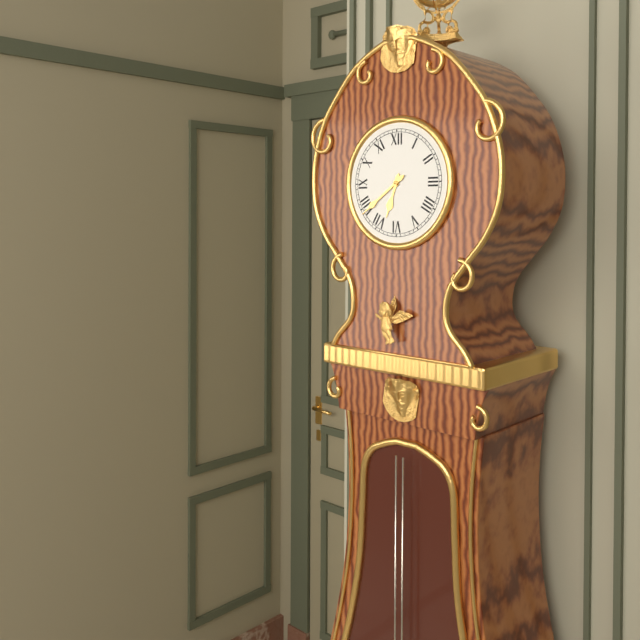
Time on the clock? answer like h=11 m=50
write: h=6 m=39
